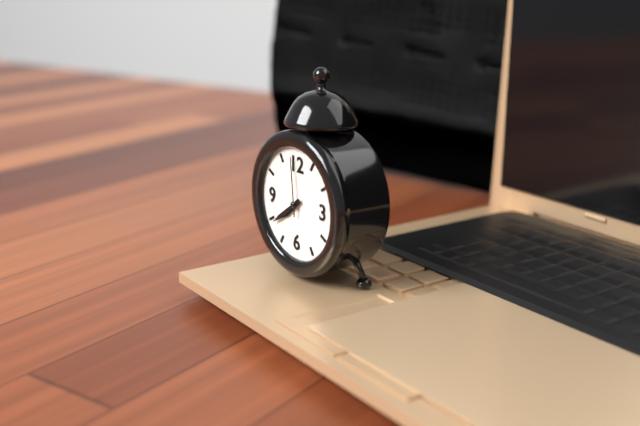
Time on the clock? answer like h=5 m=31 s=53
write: h=7 m=39 s=59
